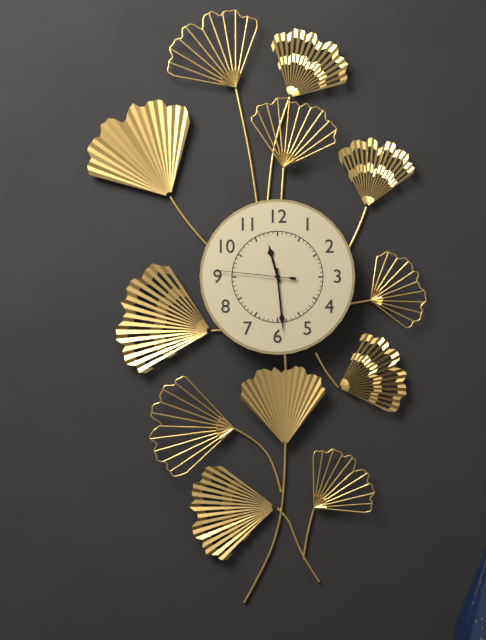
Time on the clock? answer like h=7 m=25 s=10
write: h=11 m=29 s=46
